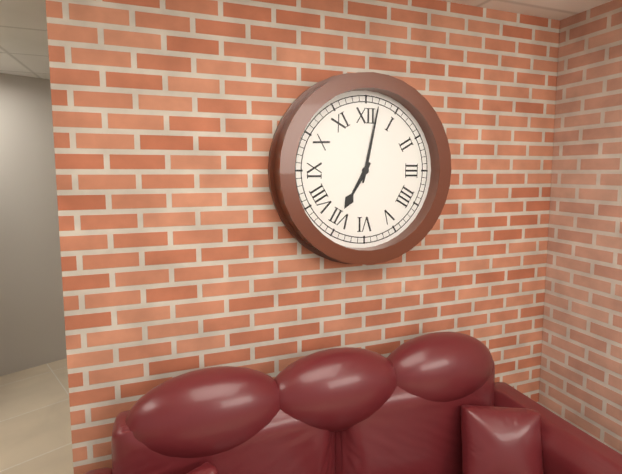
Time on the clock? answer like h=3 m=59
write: h=7 m=2
